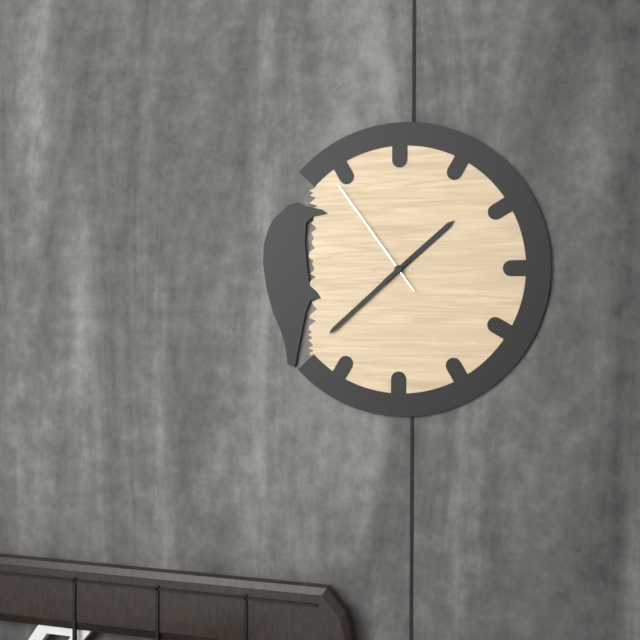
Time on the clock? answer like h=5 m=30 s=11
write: h=1 m=38 s=54
